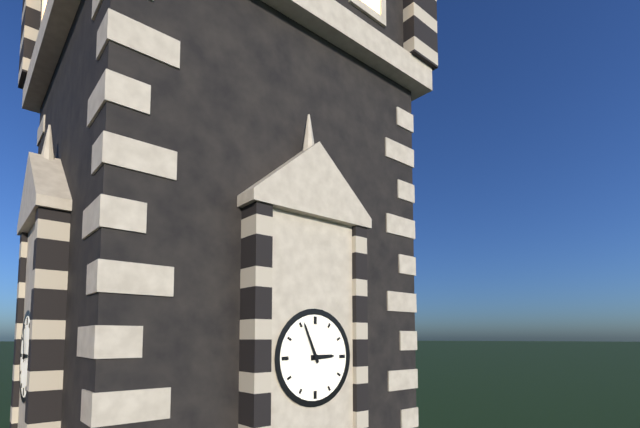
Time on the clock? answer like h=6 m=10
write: h=2 m=56
